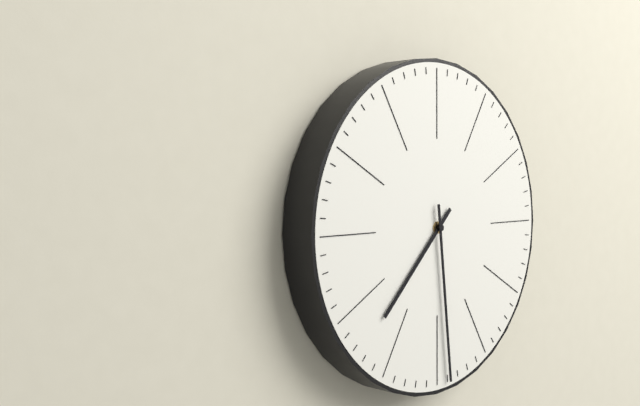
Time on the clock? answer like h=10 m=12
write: h=7 m=29
